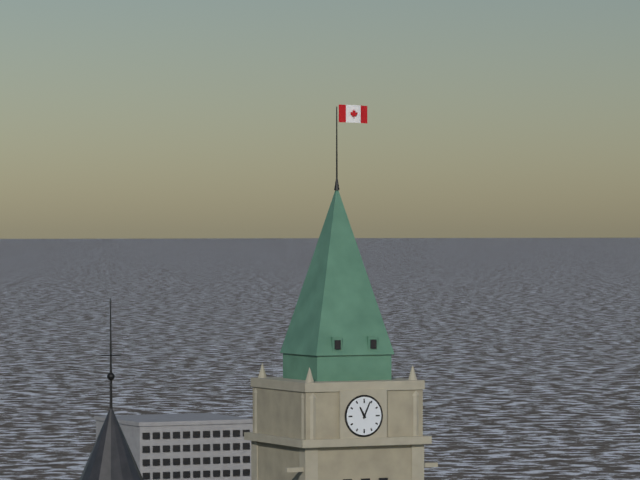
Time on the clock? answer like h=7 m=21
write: h=11 m=4
